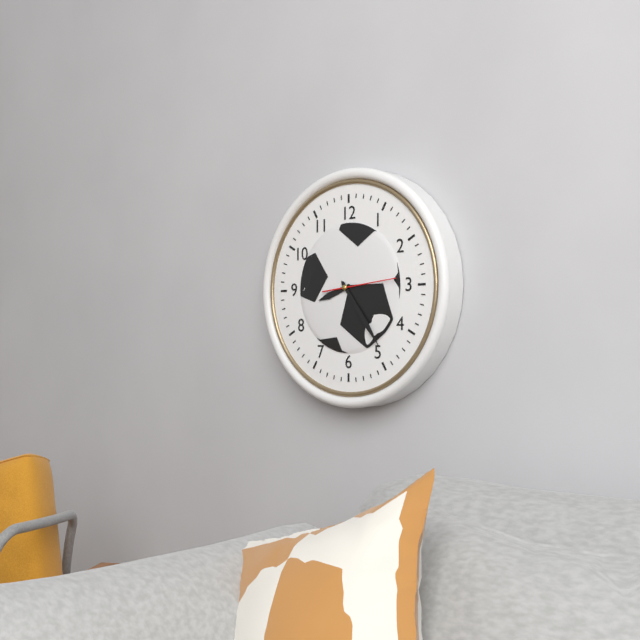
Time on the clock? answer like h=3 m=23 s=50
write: h=8 m=24 s=14
